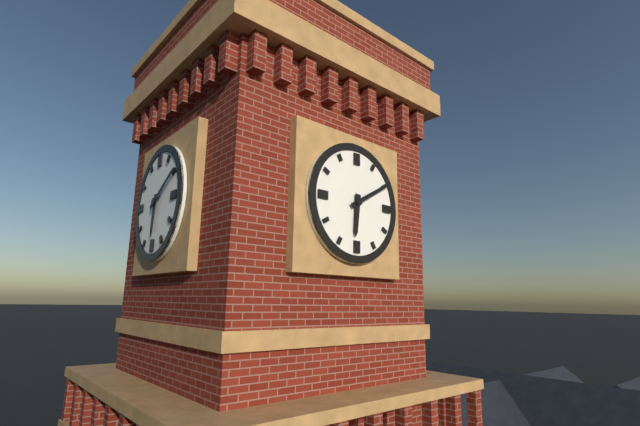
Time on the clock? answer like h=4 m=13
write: h=6 m=10
